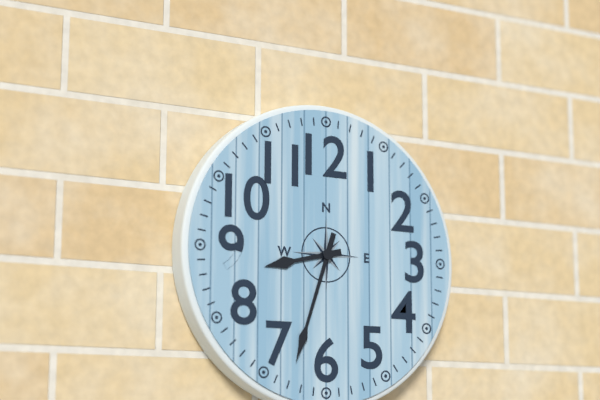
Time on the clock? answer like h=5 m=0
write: h=8 m=33
